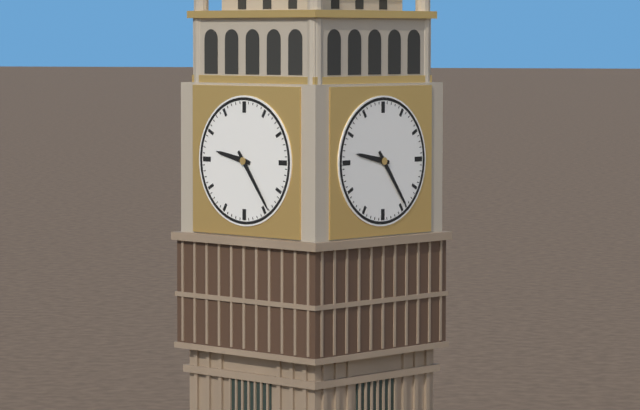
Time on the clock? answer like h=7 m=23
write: h=9 m=24
